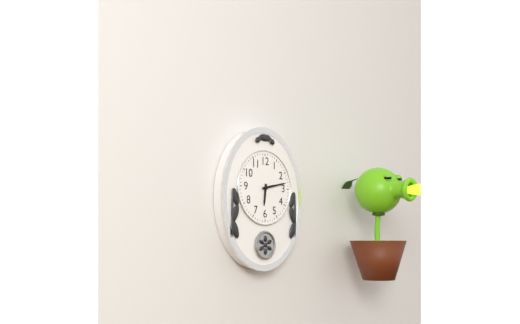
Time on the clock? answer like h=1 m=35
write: h=6 m=13
